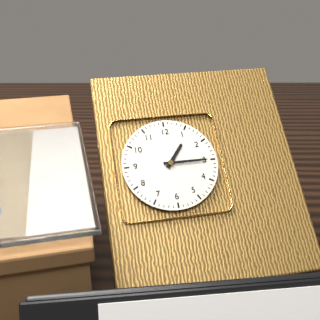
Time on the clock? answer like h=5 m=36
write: h=1 m=15
